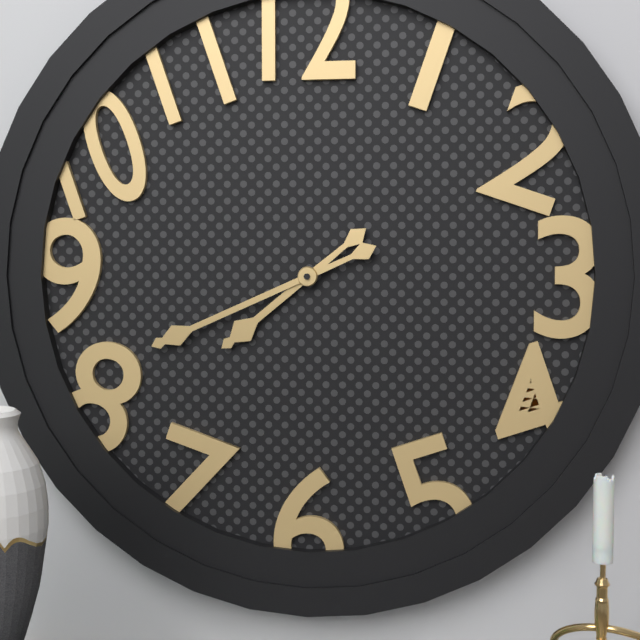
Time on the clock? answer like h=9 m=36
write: h=7 m=41
